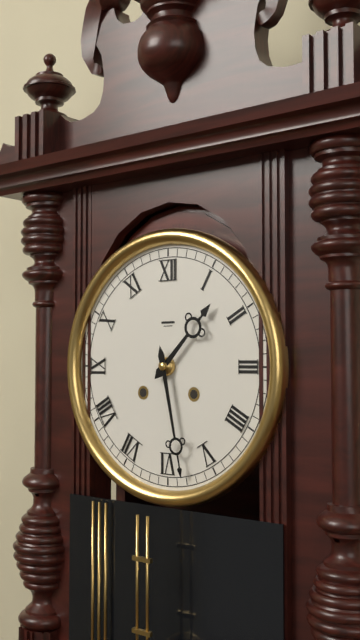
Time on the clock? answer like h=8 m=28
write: h=1 m=28
